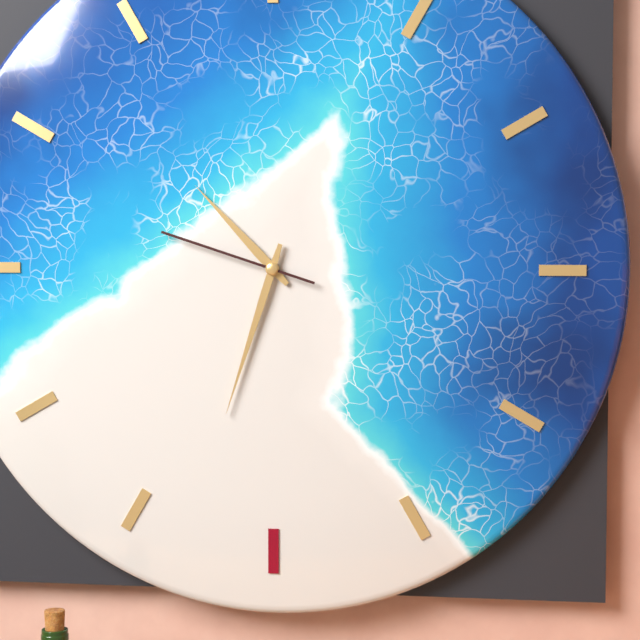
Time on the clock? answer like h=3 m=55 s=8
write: h=10 m=33 s=48
